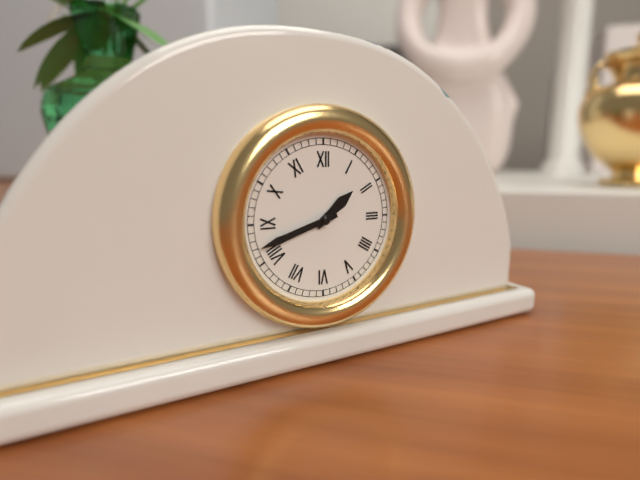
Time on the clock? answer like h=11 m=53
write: h=1 m=42
